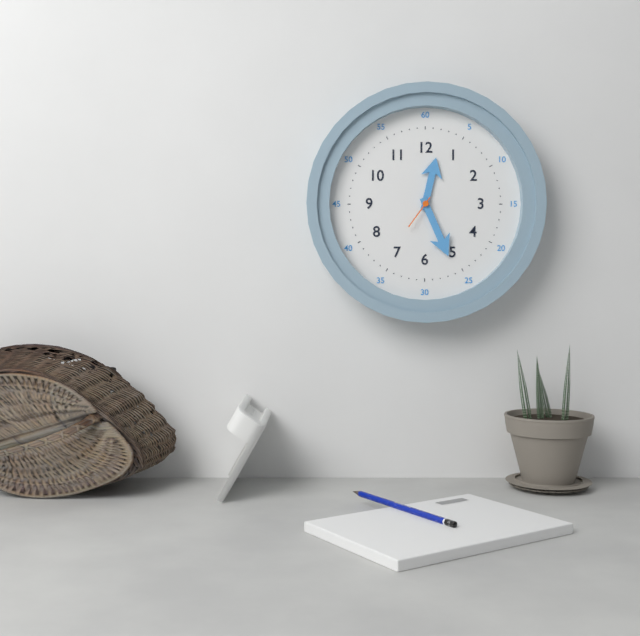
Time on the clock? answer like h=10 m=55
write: h=12 m=26
